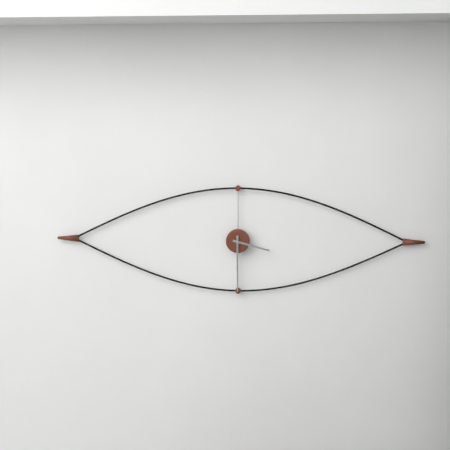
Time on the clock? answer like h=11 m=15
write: h=3 m=30
